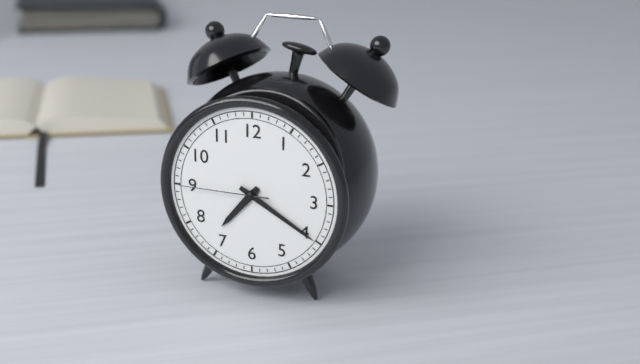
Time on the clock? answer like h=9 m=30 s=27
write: h=7 m=20 s=45
